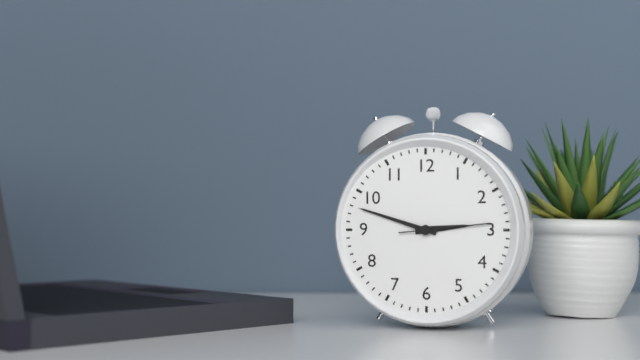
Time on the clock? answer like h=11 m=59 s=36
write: h=2 m=48 s=14
